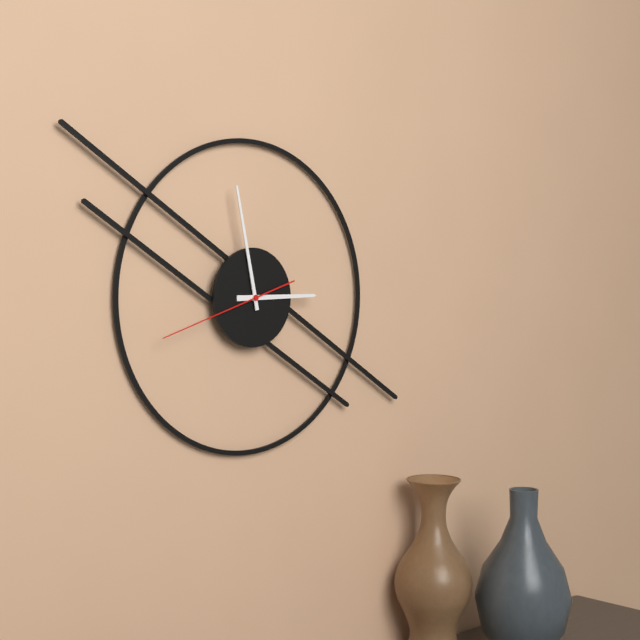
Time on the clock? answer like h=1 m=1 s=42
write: h=2 m=58 s=42
